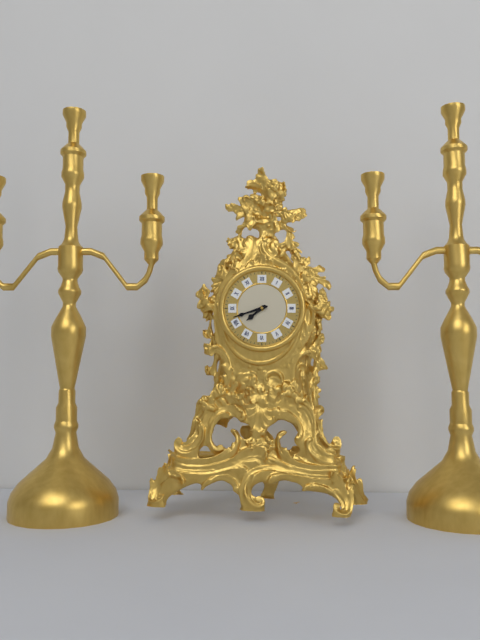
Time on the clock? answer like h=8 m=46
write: h=7 m=42
